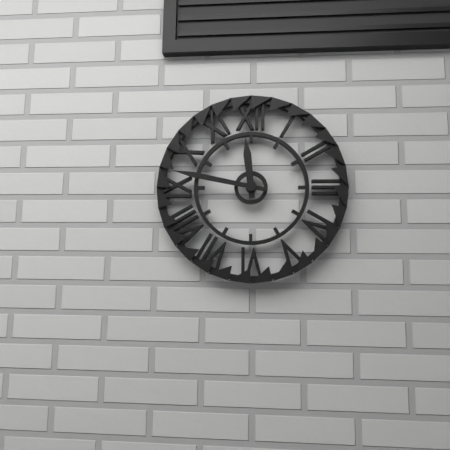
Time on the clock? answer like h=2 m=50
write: h=11 m=47
